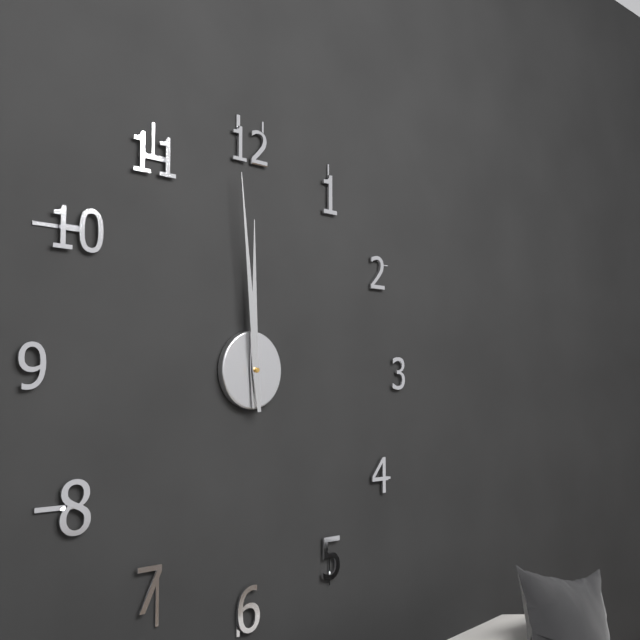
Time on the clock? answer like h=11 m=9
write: h=11 m=59
